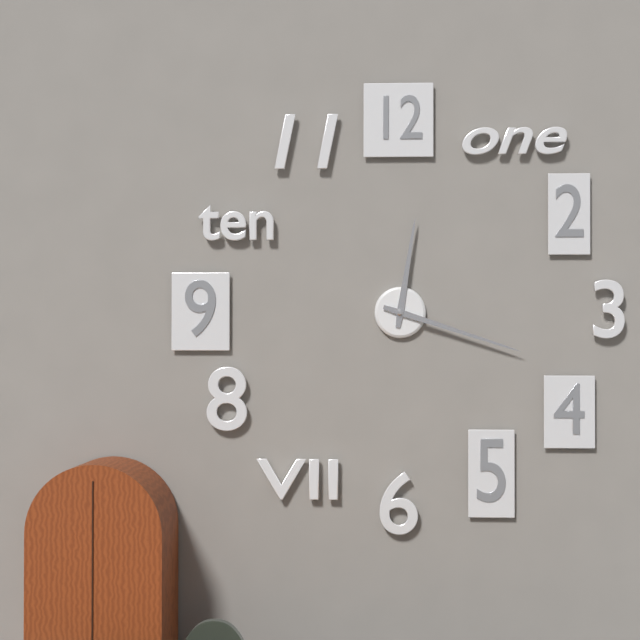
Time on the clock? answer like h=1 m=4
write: h=12 m=18
